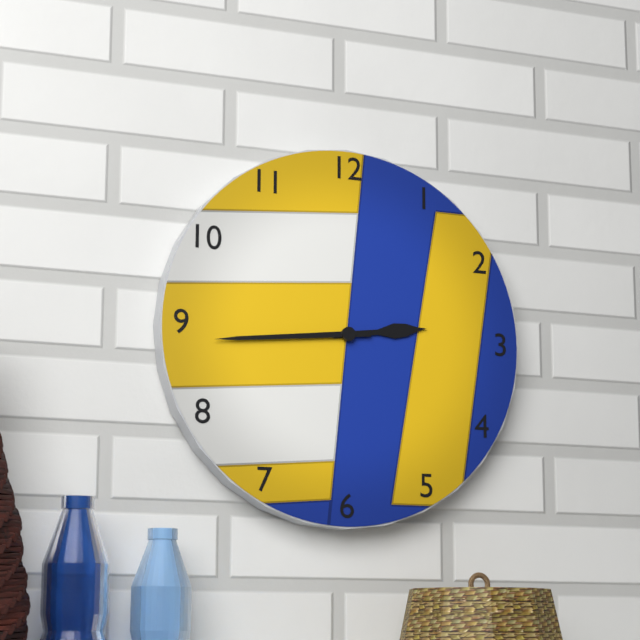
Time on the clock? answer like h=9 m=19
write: h=2 m=44
